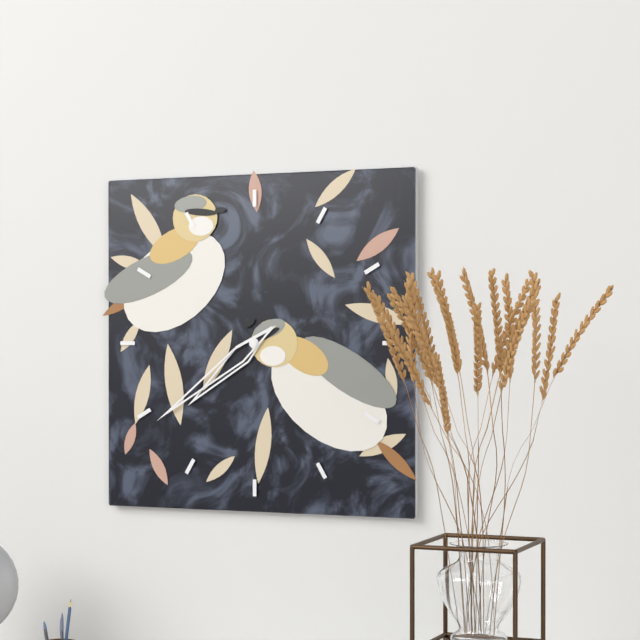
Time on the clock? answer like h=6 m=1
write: h=7 m=39
